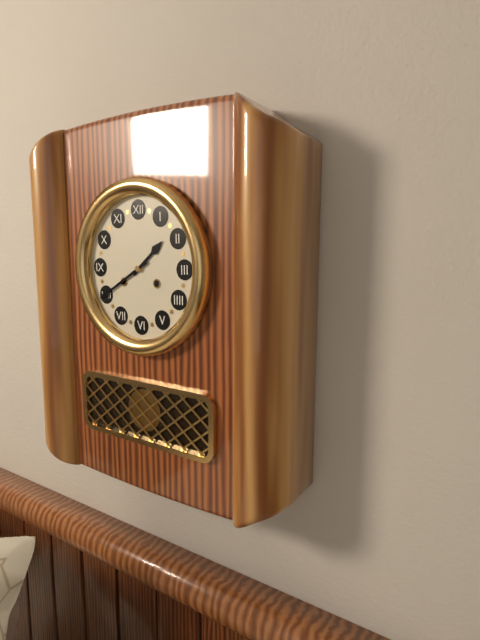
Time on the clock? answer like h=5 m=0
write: h=1 m=40
